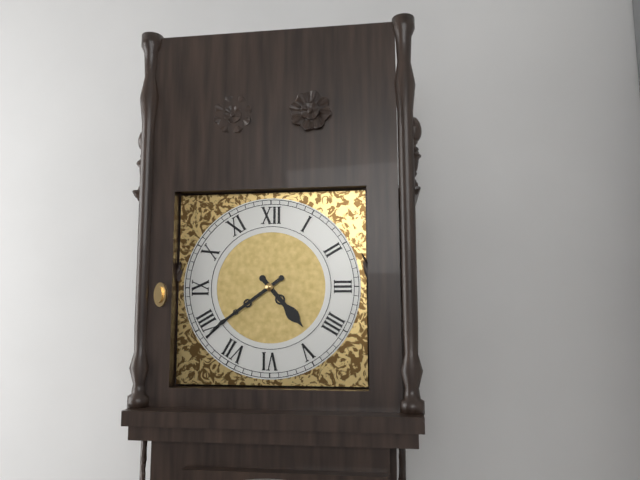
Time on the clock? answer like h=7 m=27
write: h=4 m=39
